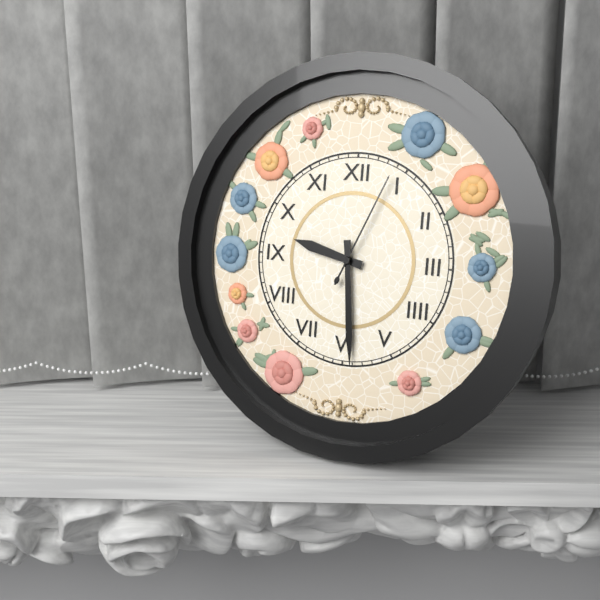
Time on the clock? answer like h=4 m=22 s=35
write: h=9 m=29 s=4
